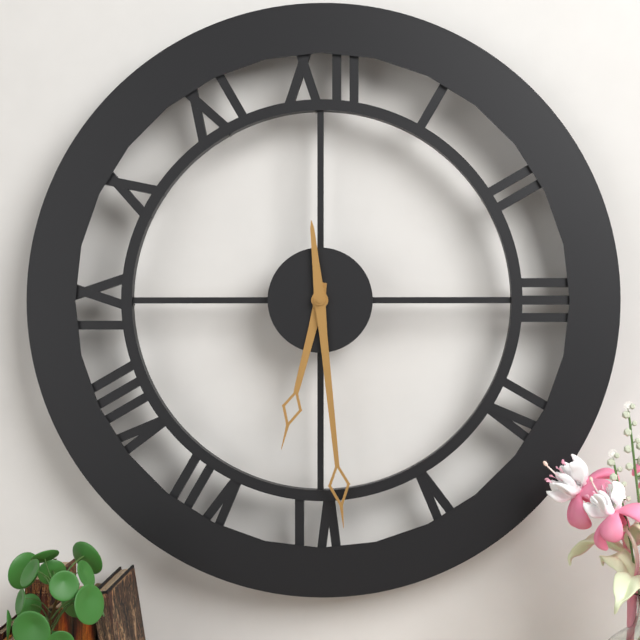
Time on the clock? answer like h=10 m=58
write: h=6 m=29
